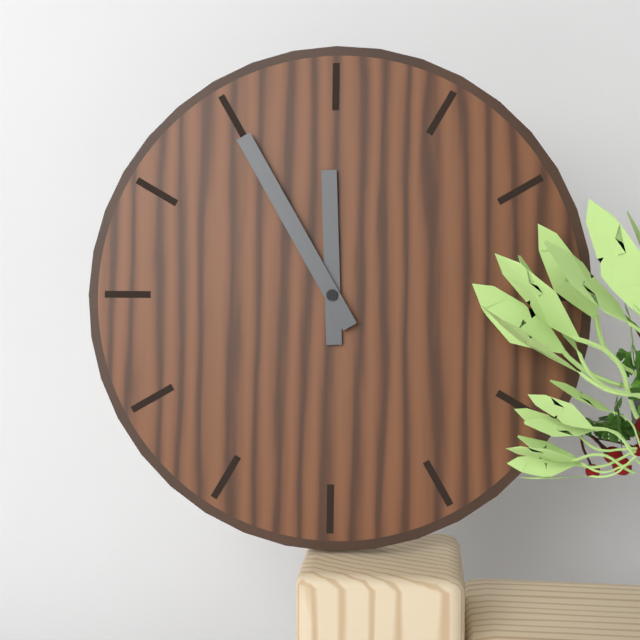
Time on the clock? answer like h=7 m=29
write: h=11 m=55
